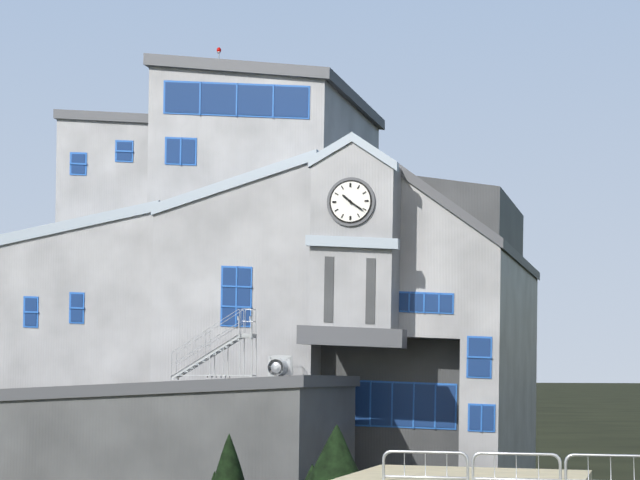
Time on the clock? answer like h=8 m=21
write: h=10 m=21
